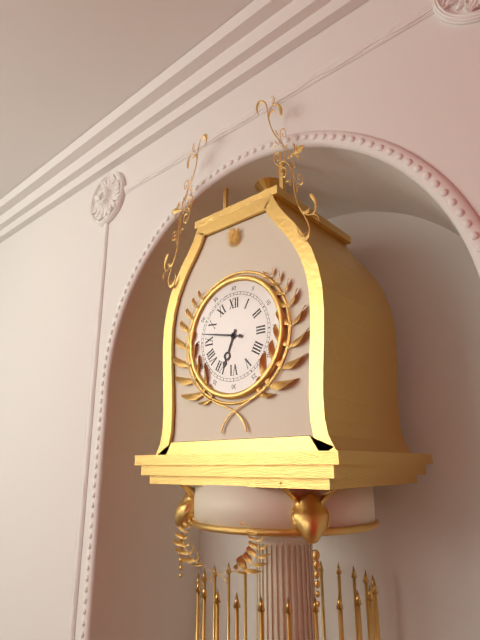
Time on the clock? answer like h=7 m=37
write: h=6 m=47
